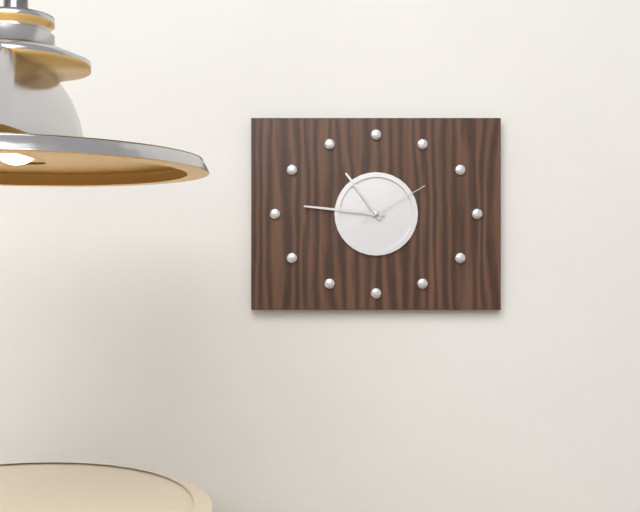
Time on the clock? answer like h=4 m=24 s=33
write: h=10 m=46 s=10
